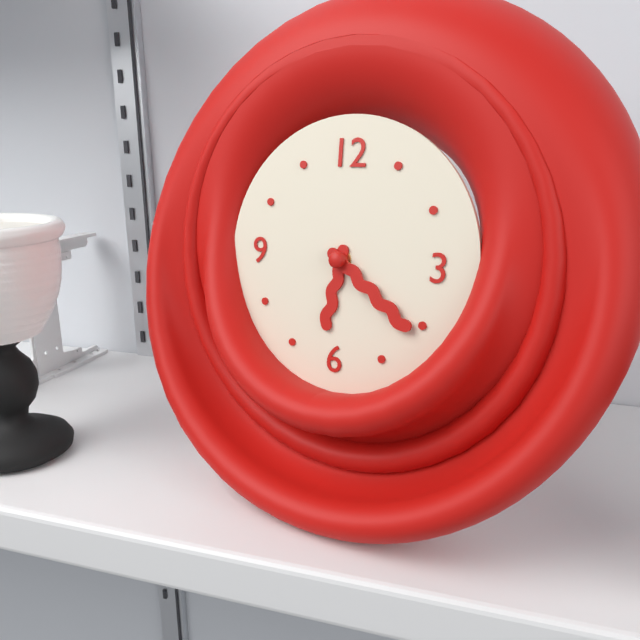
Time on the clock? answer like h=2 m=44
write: h=6 m=21
